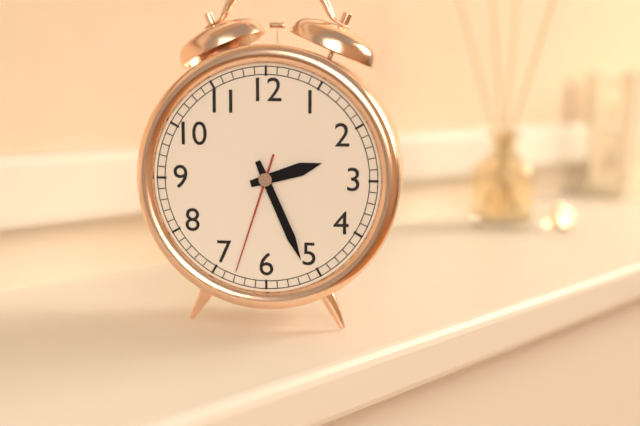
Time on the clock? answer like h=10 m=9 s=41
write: h=2 m=26 s=33
